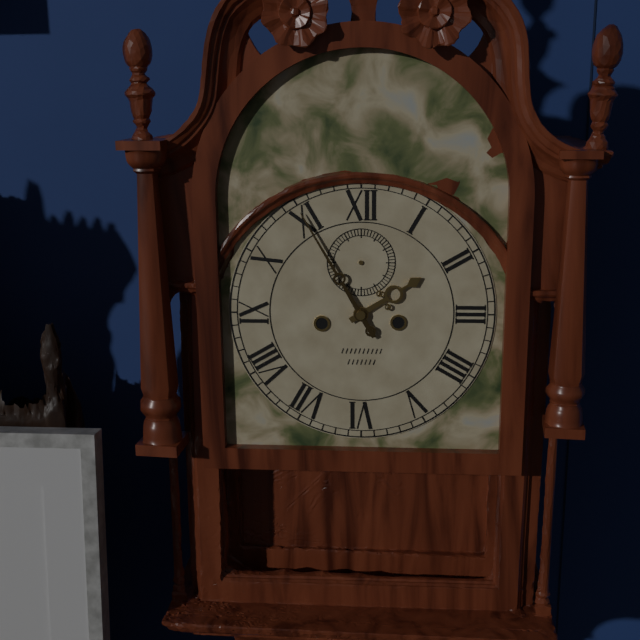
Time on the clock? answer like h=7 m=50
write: h=1 m=55
